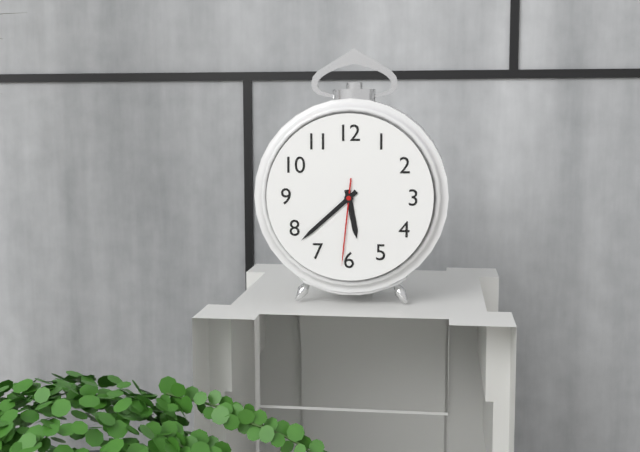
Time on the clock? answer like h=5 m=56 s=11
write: h=5 m=38 s=31
